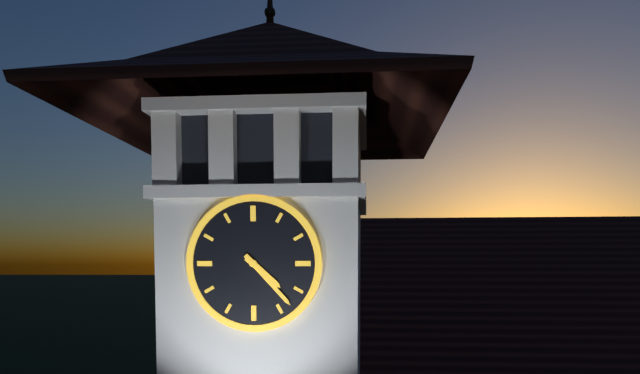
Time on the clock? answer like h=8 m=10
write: h=4 m=23
